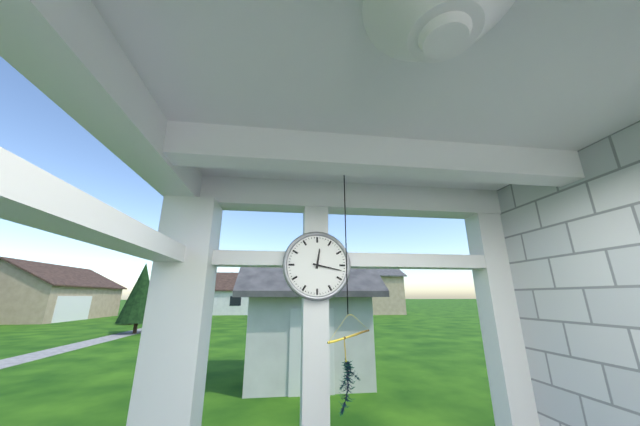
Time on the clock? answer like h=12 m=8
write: h=12 m=17
